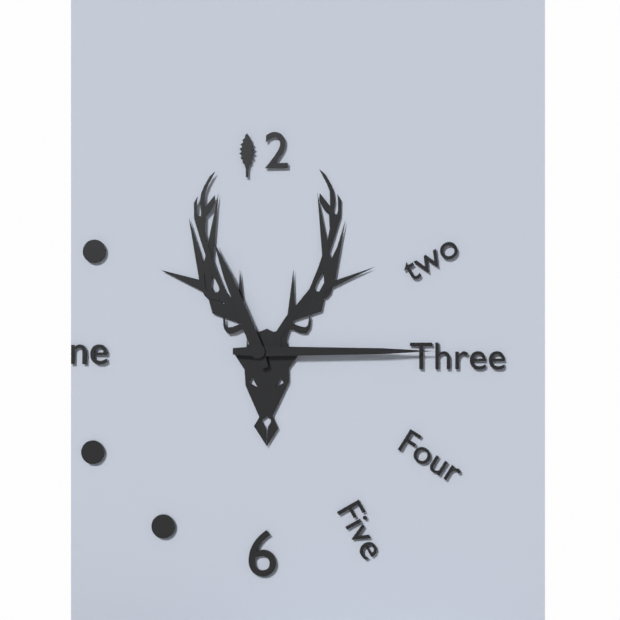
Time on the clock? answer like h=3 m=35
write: h=11 m=15
